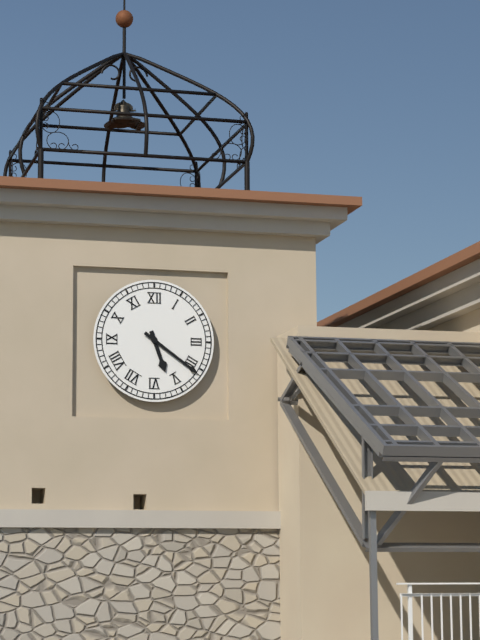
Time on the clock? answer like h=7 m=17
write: h=5 m=21
